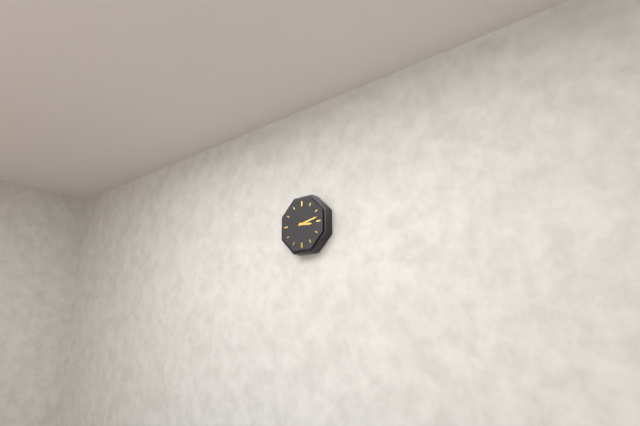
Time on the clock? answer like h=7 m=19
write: h=3 m=13
